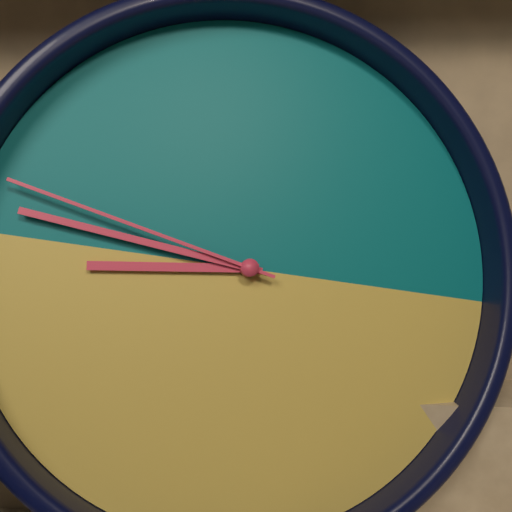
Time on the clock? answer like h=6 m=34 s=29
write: h=8 m=46 s=47
